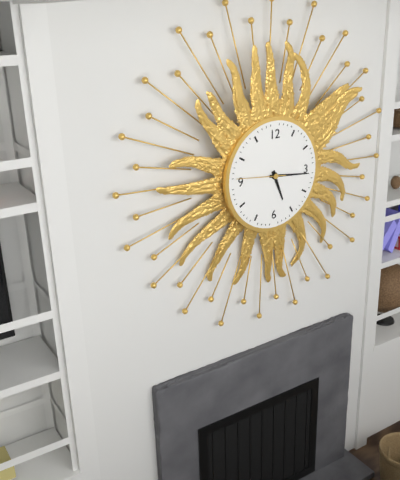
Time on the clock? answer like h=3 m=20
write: h=5 m=16
